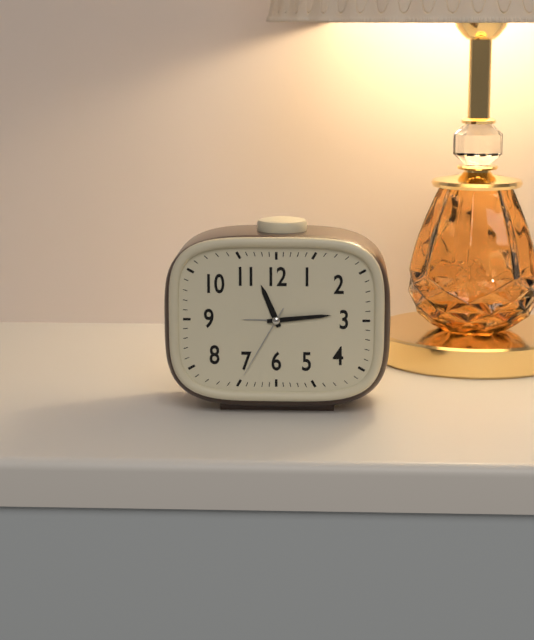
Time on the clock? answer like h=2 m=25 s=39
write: h=11 m=14 s=35
